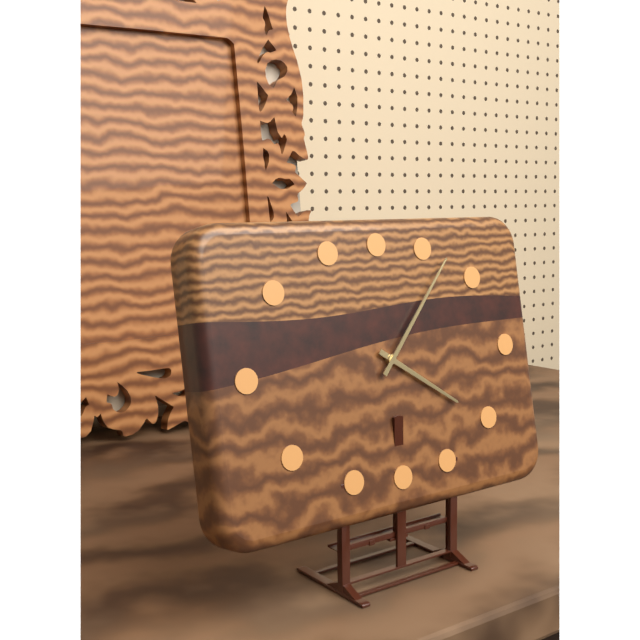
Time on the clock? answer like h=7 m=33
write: h=4 m=7
